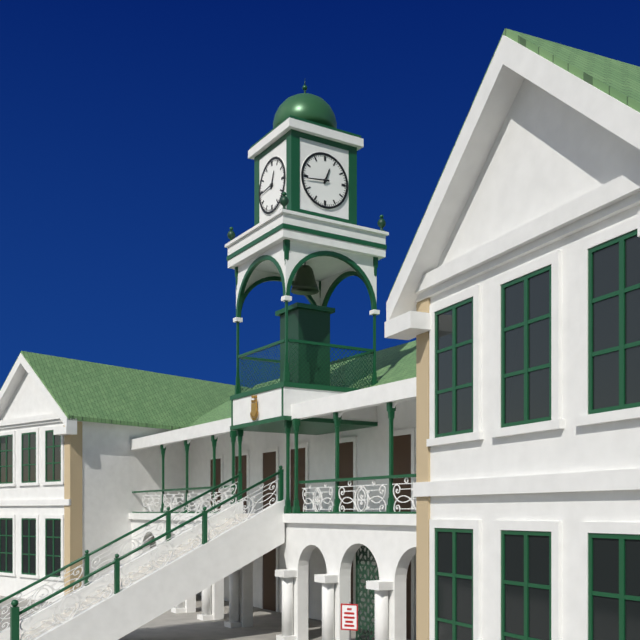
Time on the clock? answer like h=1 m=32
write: h=12 m=44
